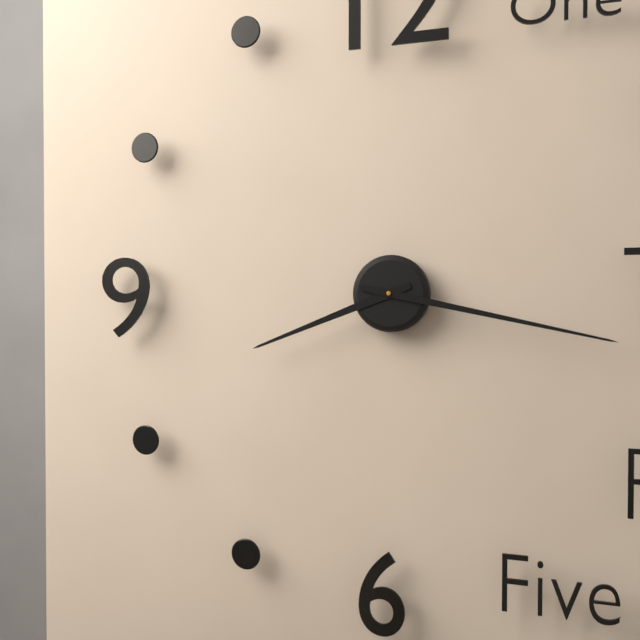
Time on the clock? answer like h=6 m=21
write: h=8 m=17
